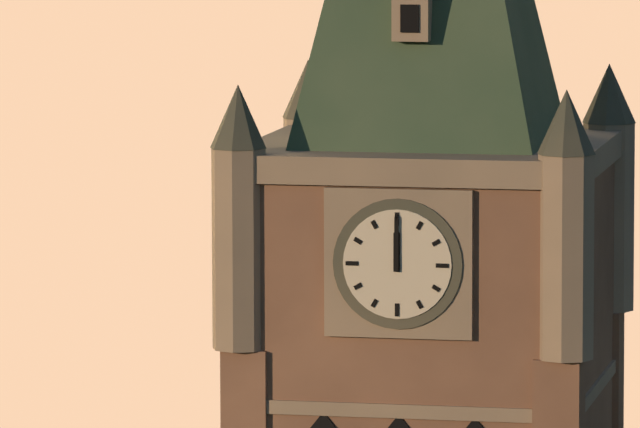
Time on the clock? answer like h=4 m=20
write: h=12 m=0
